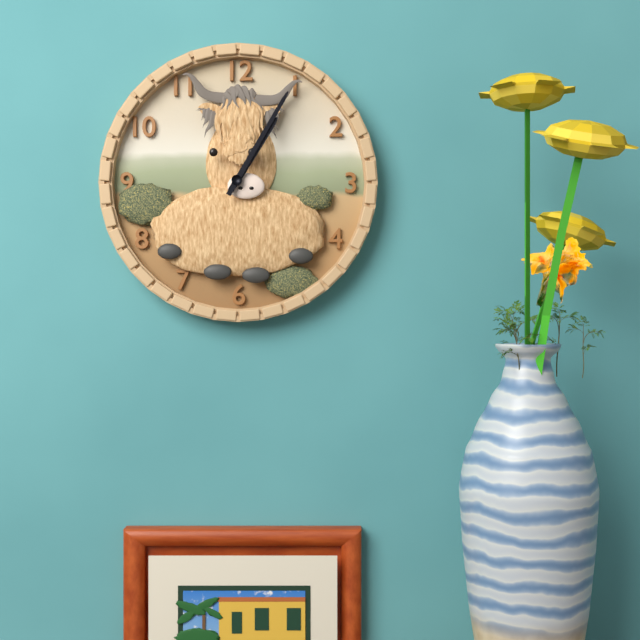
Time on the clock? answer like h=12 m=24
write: h=1 m=5
